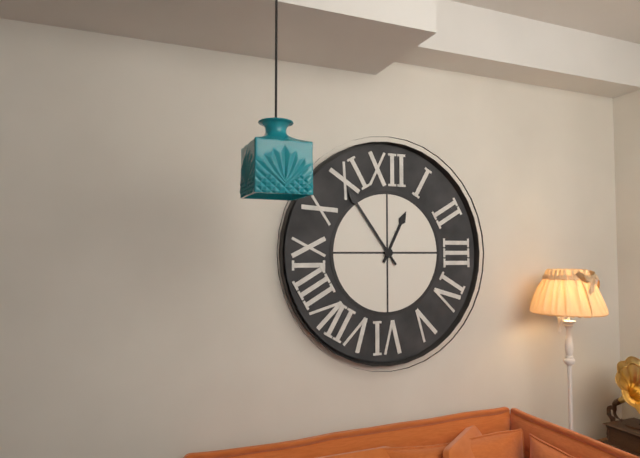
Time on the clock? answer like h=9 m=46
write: h=12 m=54
